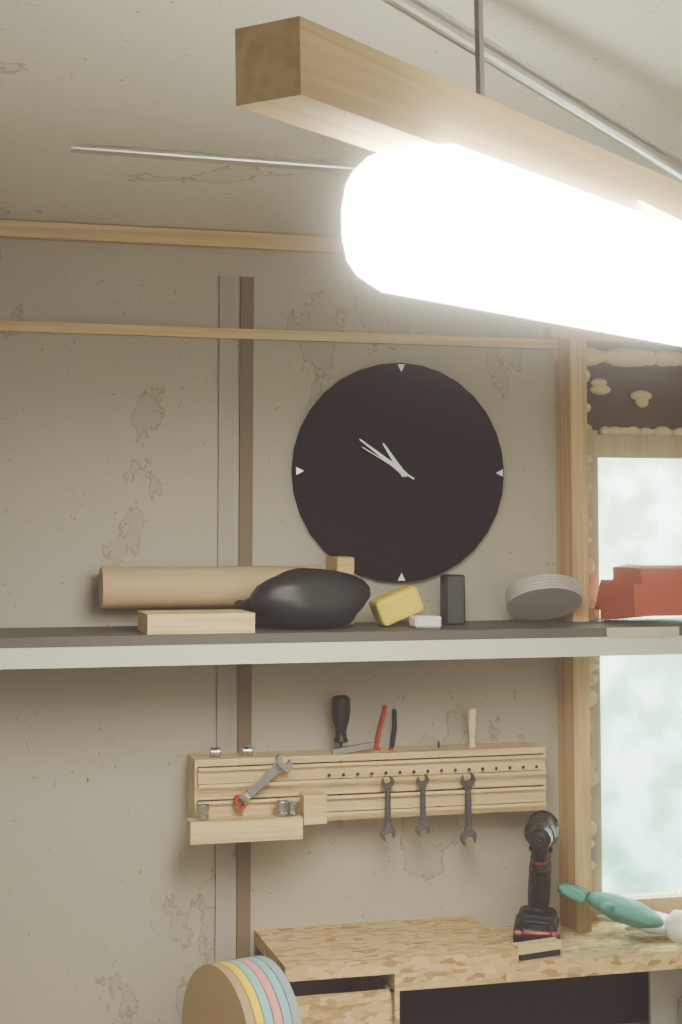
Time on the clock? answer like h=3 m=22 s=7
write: h=10 m=51 s=50
